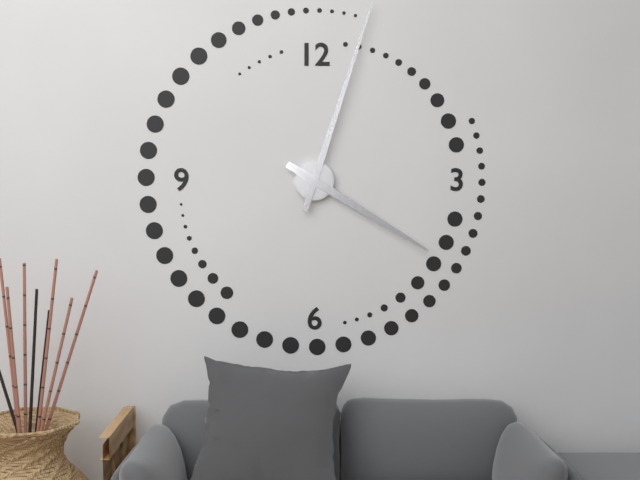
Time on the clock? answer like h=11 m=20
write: h=4 m=3
